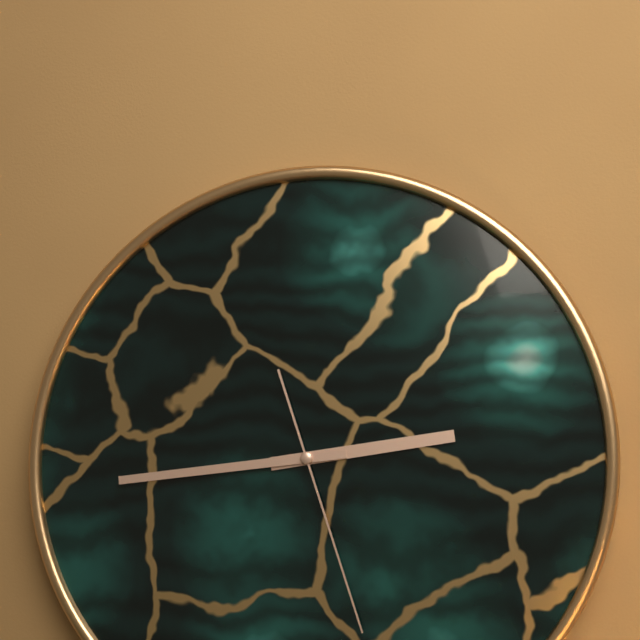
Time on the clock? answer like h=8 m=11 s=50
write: h=2 m=44 s=27
